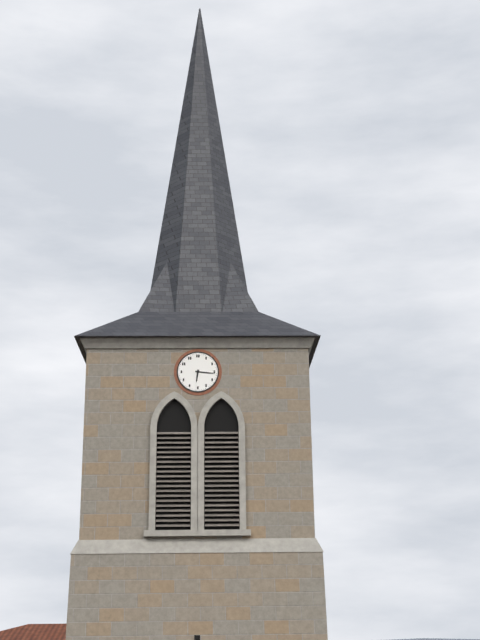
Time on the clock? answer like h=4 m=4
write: h=6 m=16
